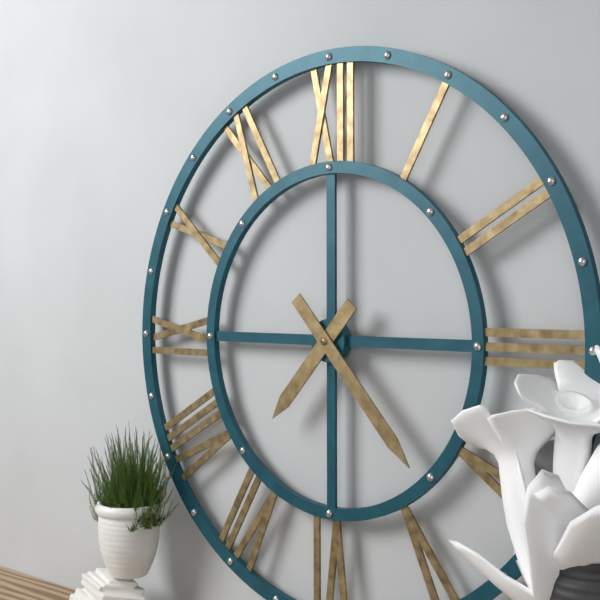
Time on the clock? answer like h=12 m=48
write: h=7 m=23
